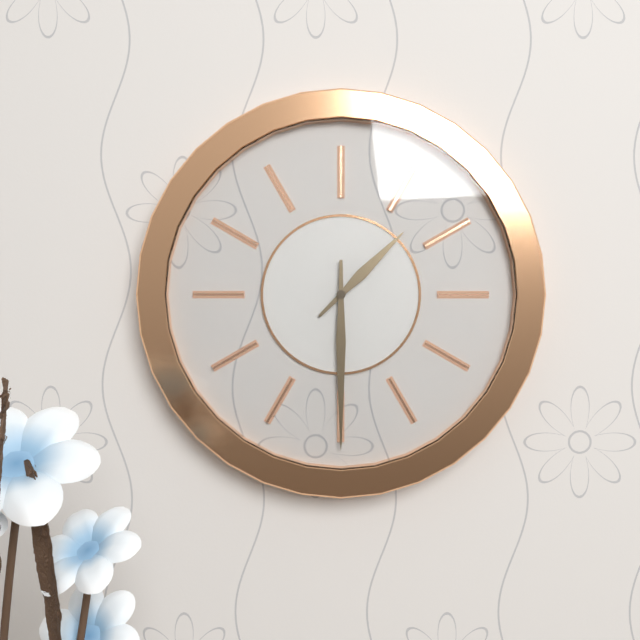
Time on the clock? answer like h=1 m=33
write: h=1 m=30
